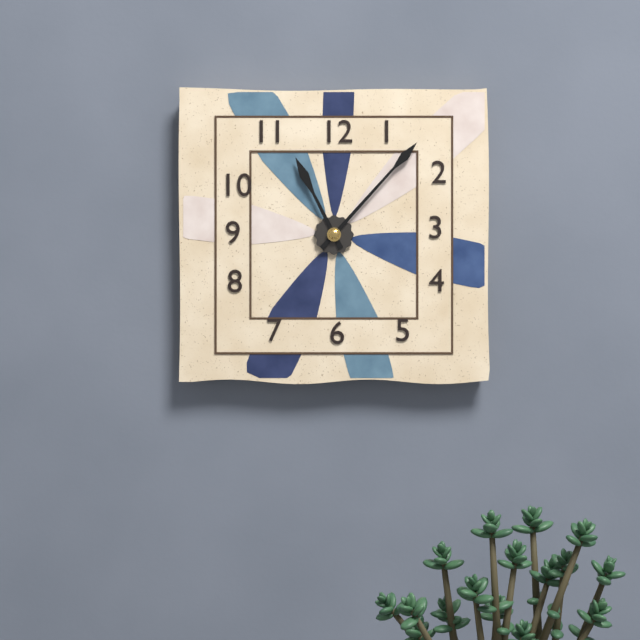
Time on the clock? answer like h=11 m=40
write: h=11 m=7
